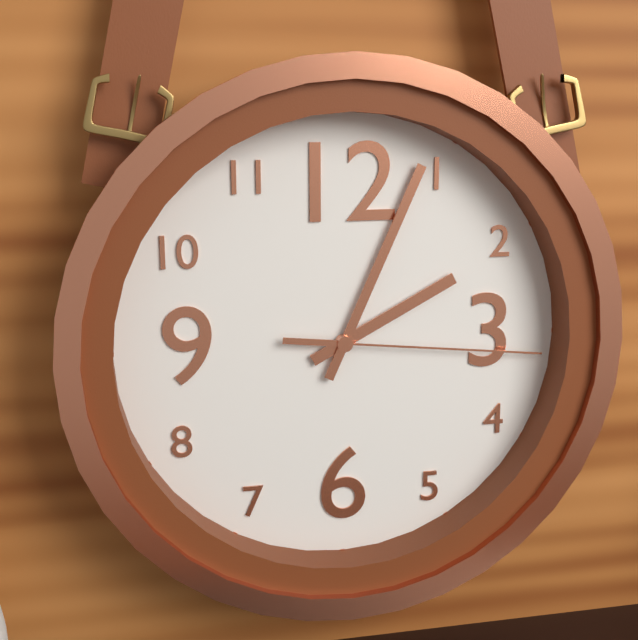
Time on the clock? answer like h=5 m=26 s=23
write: h=2 m=4 s=16
